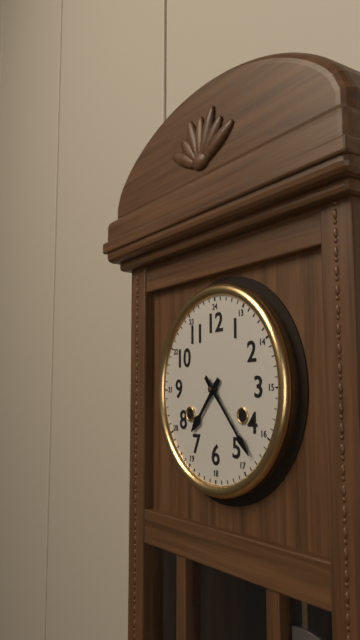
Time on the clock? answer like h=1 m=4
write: h=7 m=23
